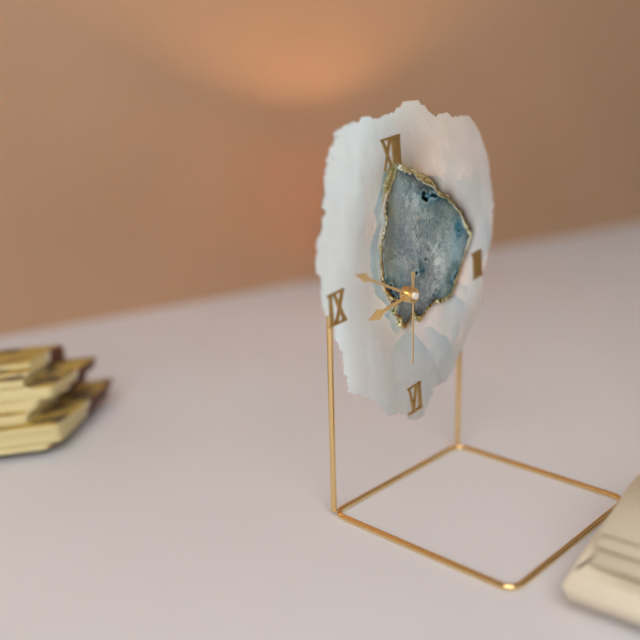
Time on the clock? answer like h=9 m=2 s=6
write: h=8 m=50 s=31
